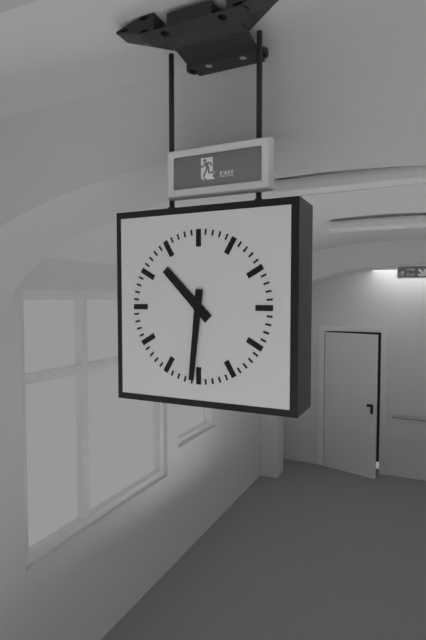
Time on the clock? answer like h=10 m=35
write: h=10 m=31
